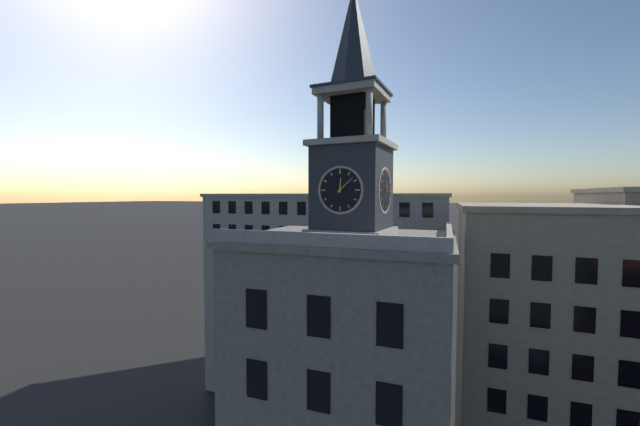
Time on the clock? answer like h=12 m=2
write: h=12 m=8
